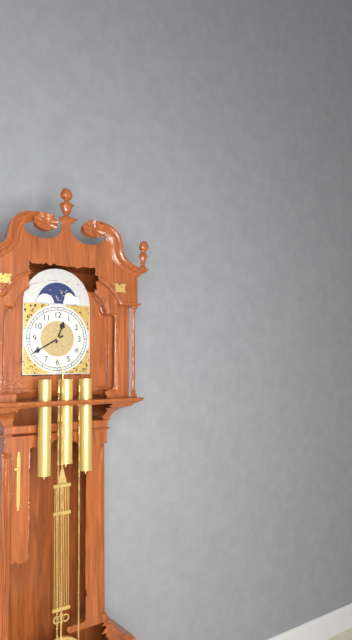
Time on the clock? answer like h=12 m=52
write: h=12 m=40
